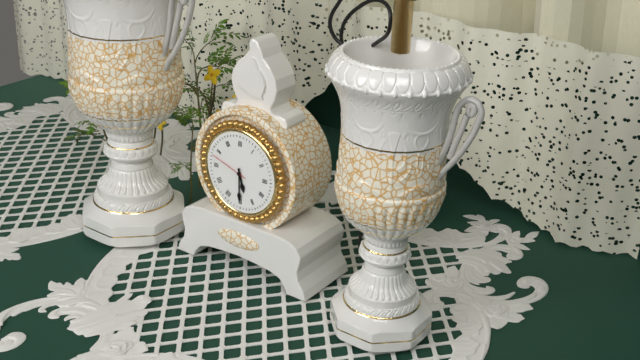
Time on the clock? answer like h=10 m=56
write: h=5 m=30
